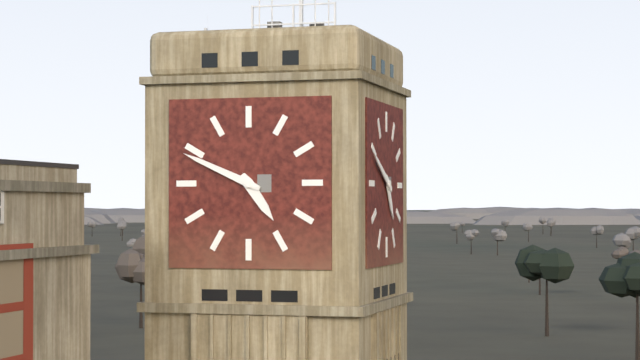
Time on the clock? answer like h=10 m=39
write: h=4 m=49
